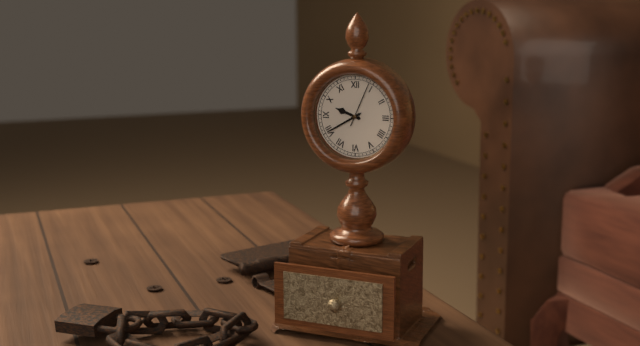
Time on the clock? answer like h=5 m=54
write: h=9 m=40
